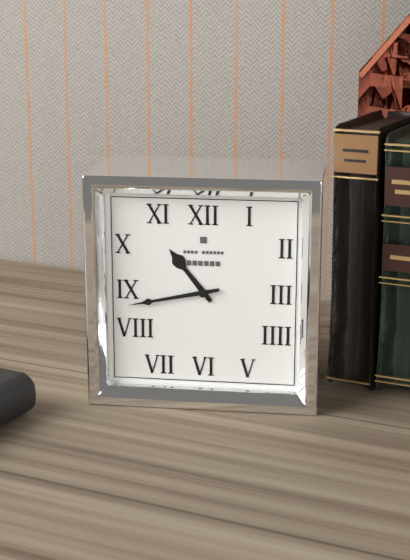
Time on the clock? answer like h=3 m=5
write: h=10 m=43
